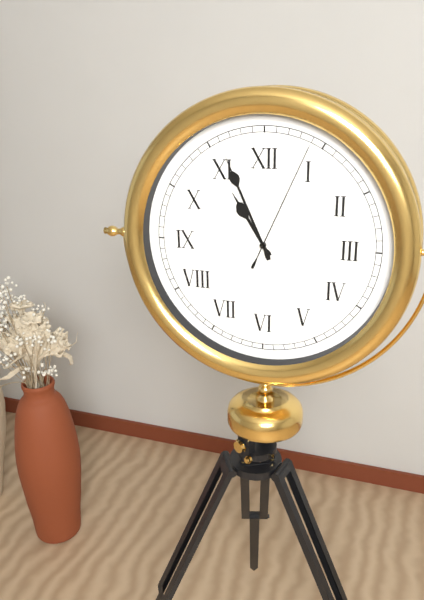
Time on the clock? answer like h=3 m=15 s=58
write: h=10 m=56 s=4
